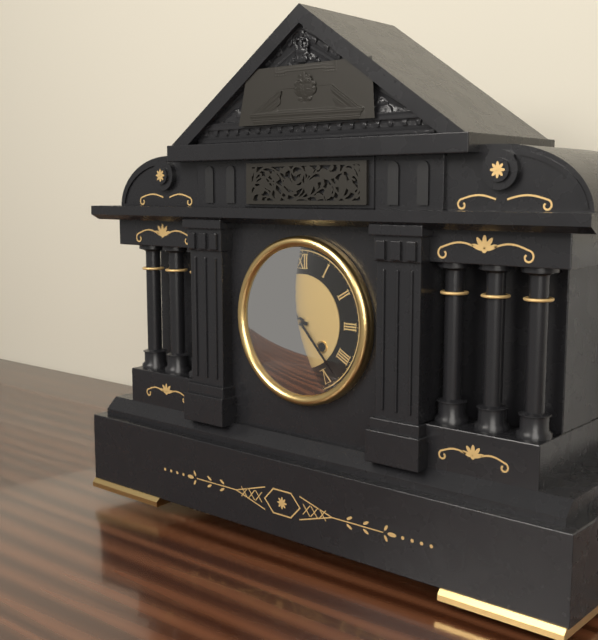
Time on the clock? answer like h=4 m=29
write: h=9 m=23
